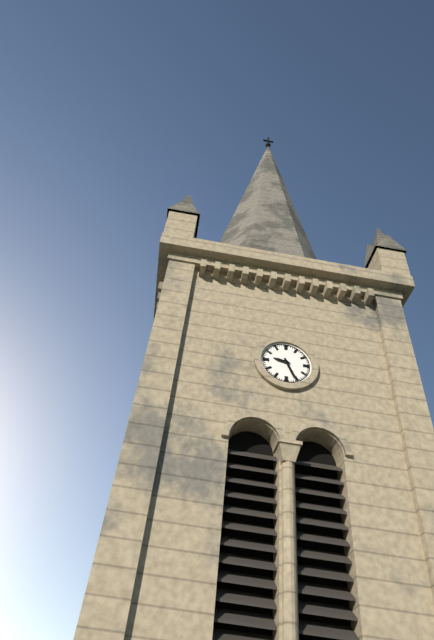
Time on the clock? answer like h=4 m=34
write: h=9 m=26
